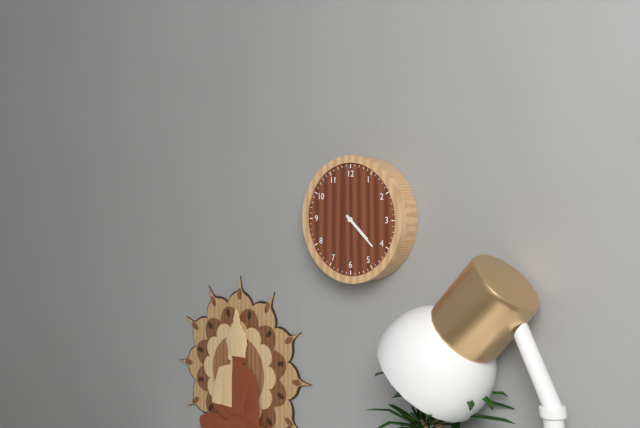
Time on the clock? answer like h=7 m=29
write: h=4 m=22
